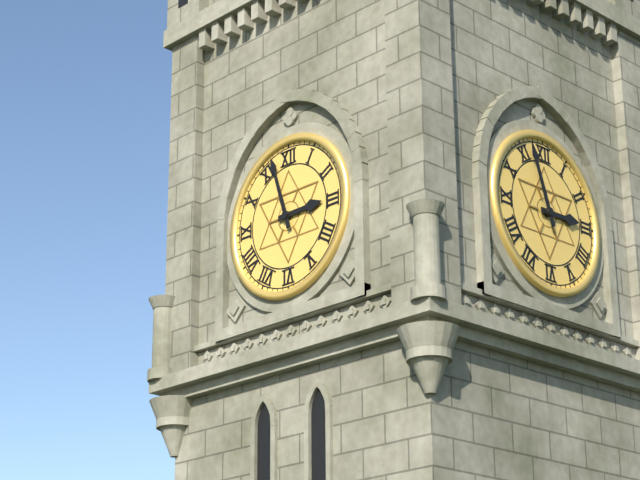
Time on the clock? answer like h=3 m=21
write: h=2 m=57
